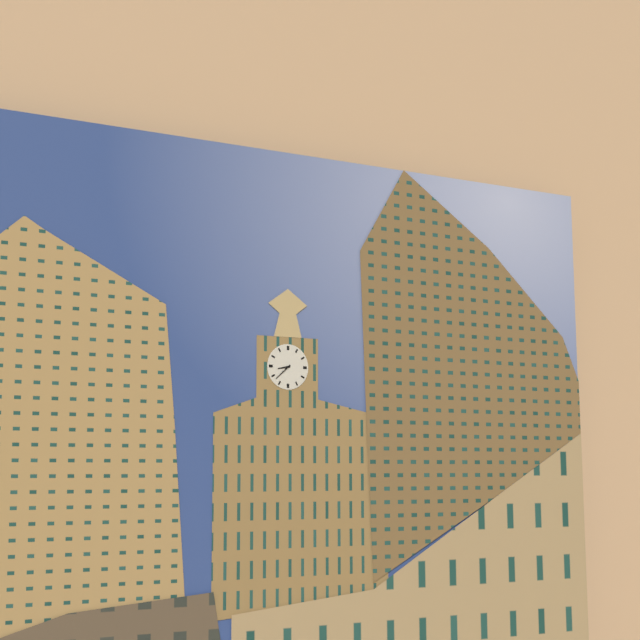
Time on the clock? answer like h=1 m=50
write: h=8 m=38
